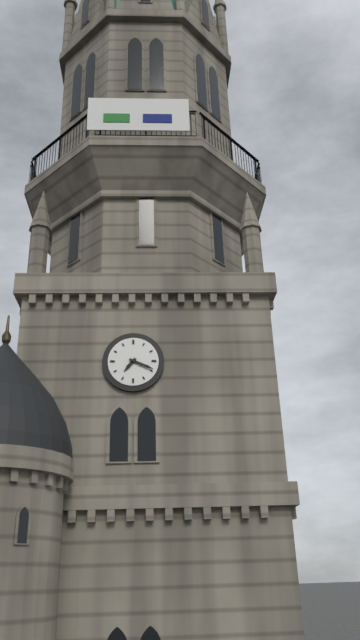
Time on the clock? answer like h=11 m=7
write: h=7 m=19
